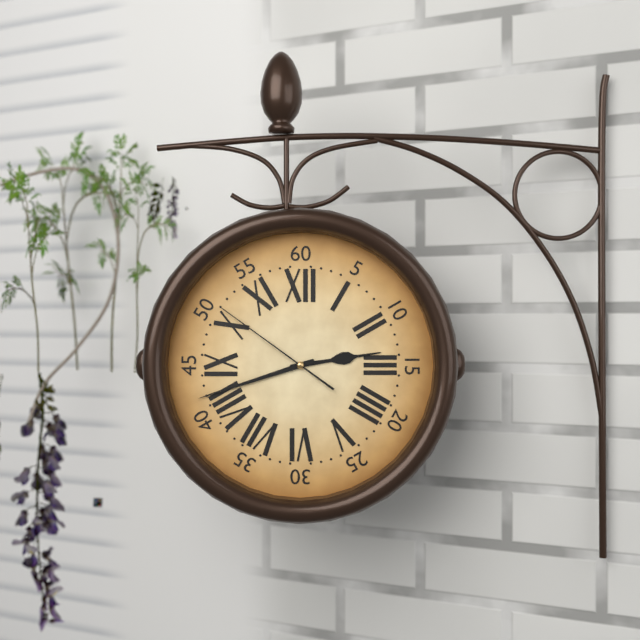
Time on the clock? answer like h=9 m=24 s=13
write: h=2 m=42 s=51
